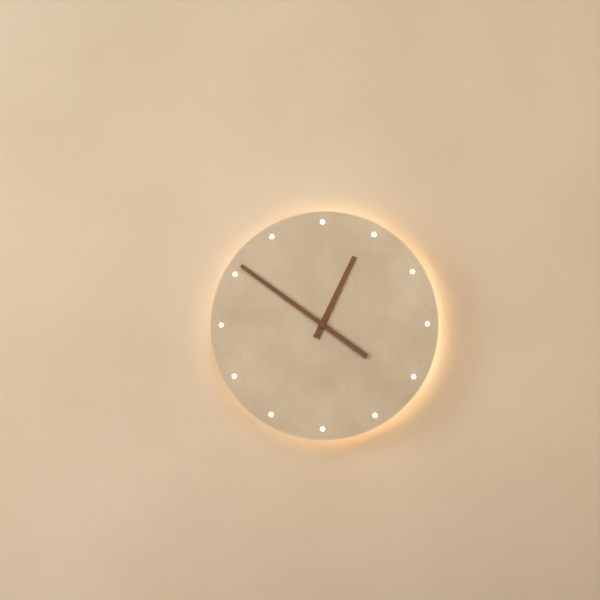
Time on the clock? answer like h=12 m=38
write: h=12 m=51
